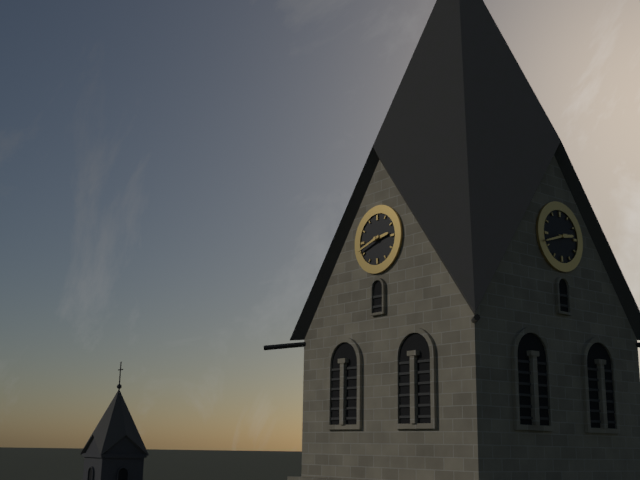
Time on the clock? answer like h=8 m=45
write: h=2 m=42
